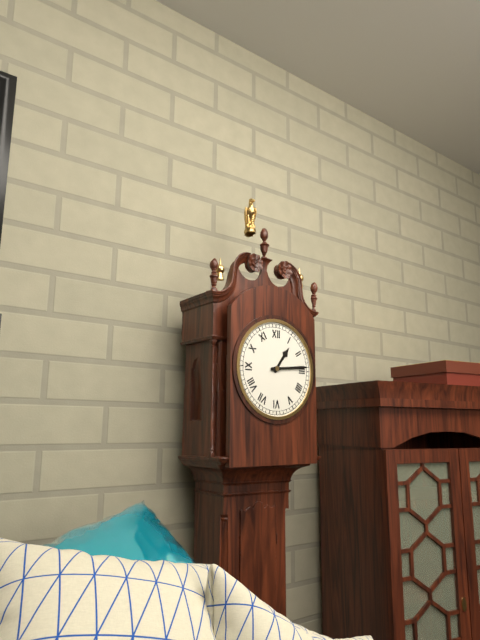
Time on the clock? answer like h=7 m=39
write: h=1 m=14
